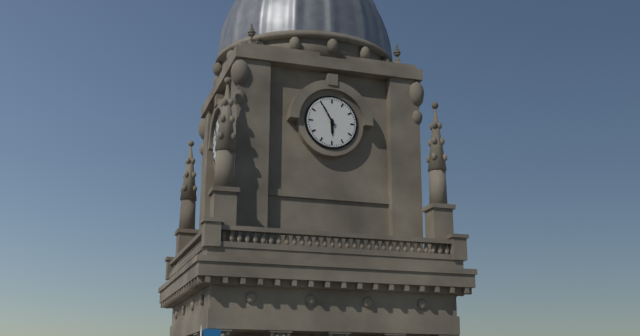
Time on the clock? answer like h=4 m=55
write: h=5 m=55
